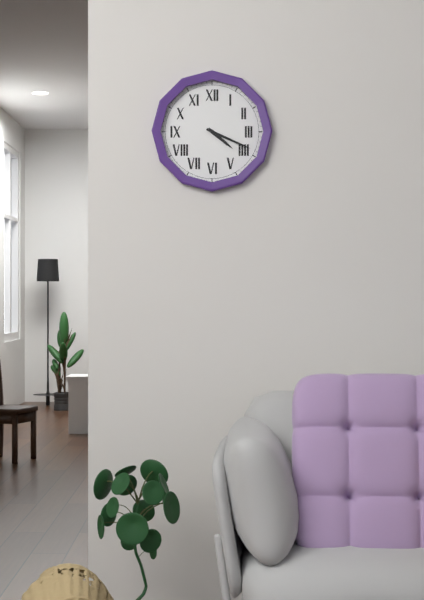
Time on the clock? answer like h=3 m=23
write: h=4 m=19
